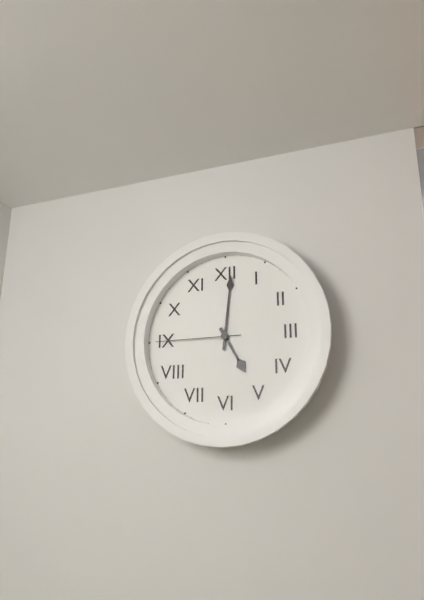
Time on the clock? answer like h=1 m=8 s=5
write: h=5 m=1 s=45
